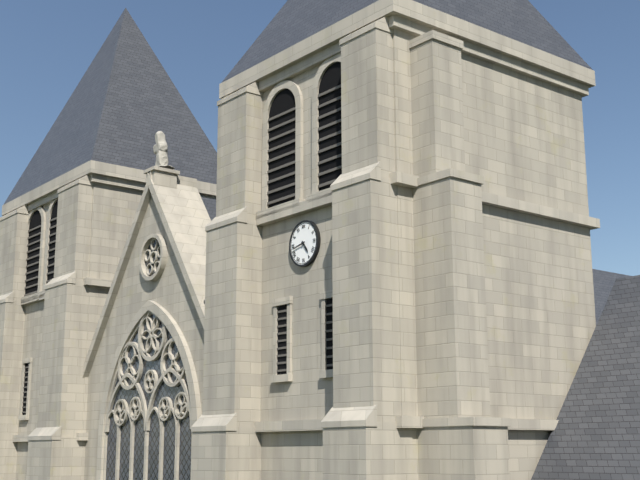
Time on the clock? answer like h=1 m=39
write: h=4 m=43
